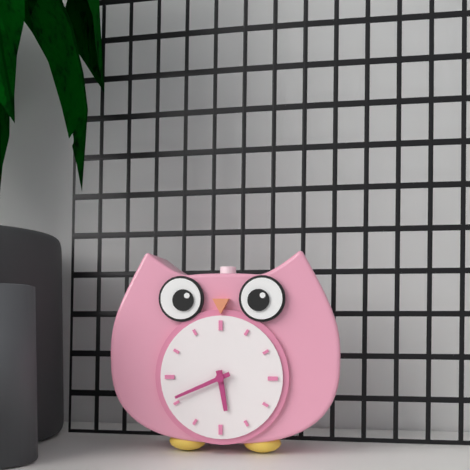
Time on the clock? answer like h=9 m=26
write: h=5 m=41
